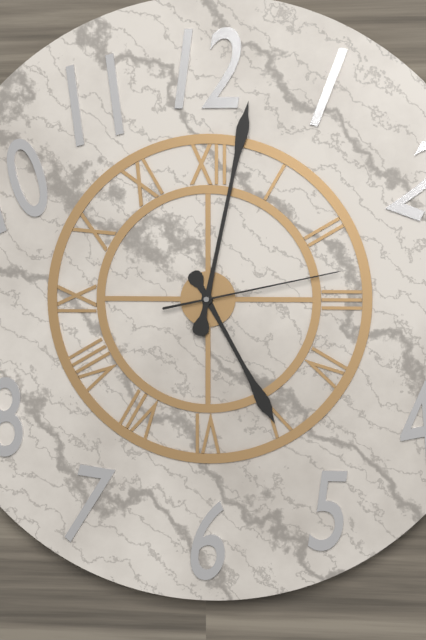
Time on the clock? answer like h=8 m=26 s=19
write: h=5 m=2 s=13
